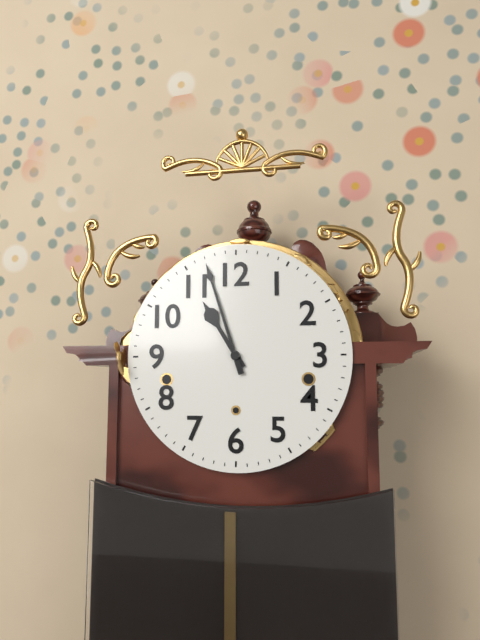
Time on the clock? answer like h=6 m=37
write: h=10 m=57
